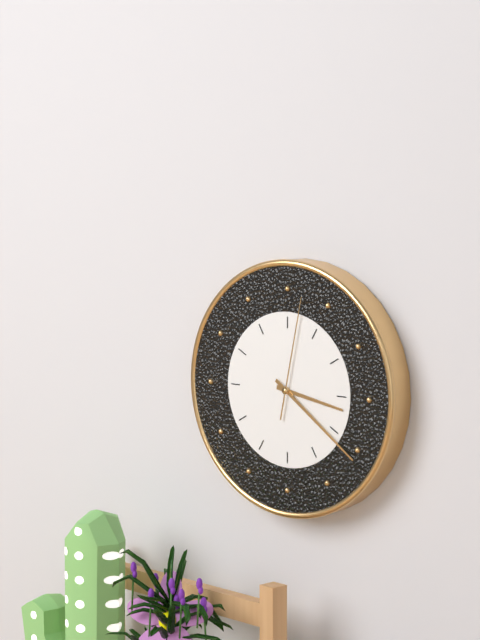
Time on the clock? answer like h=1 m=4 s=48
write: h=3 m=21 s=2
